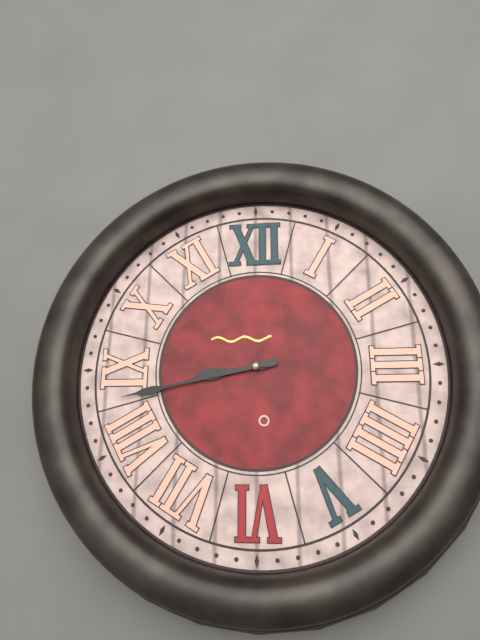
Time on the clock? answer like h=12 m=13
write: h=8 m=43
